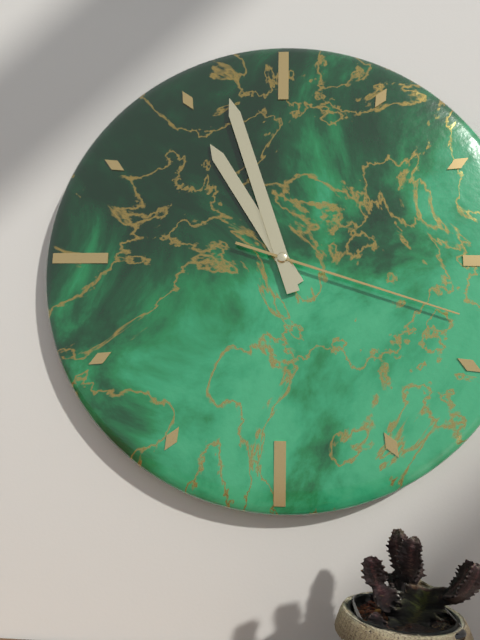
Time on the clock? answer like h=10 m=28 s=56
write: h=10 m=57 s=18
